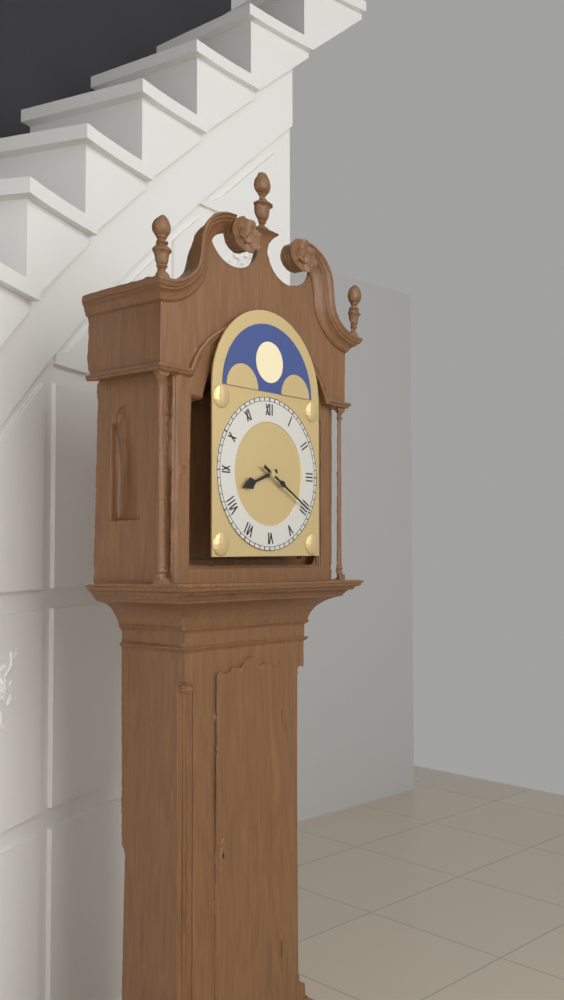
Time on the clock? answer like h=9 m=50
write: h=8 m=20
